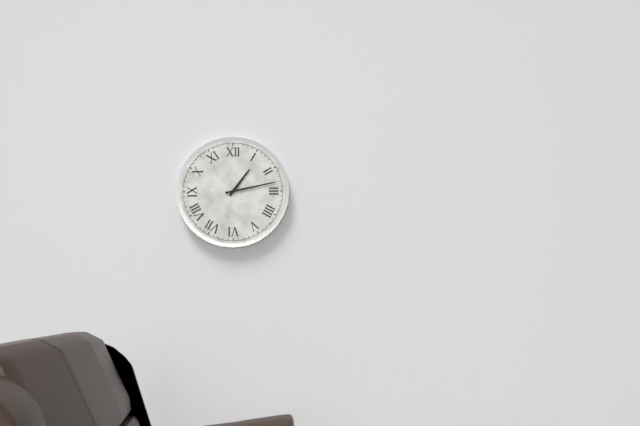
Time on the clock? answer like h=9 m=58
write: h=1 m=13
